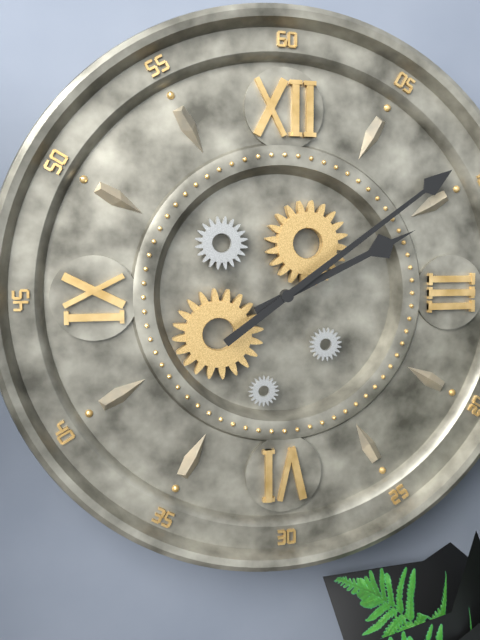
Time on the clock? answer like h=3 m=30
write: h=2 m=9
